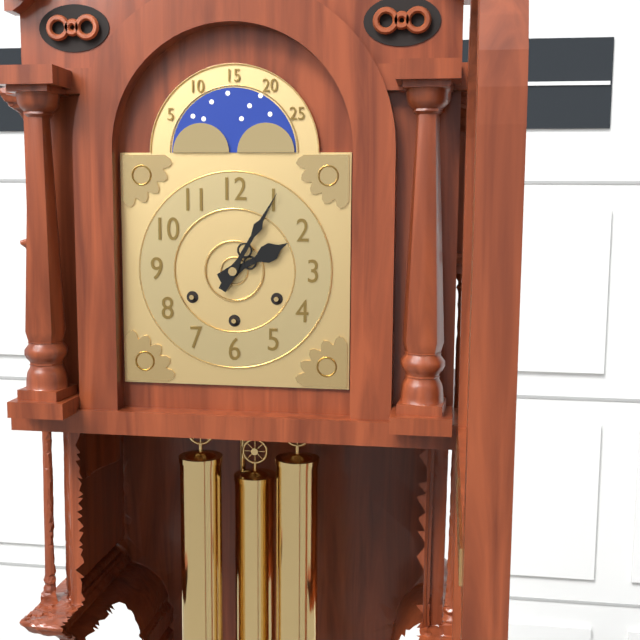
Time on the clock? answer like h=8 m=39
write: h=2 m=5
